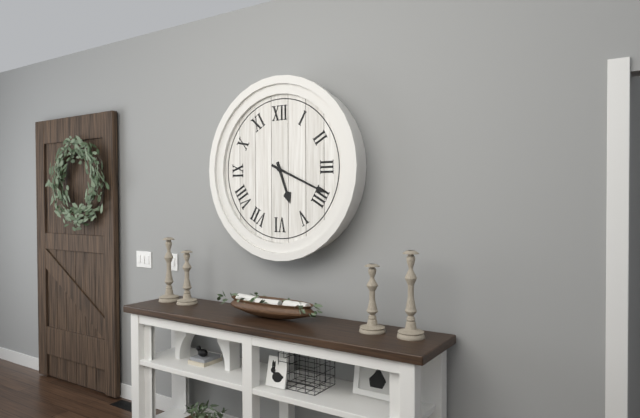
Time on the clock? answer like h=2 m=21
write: h=5 m=19
